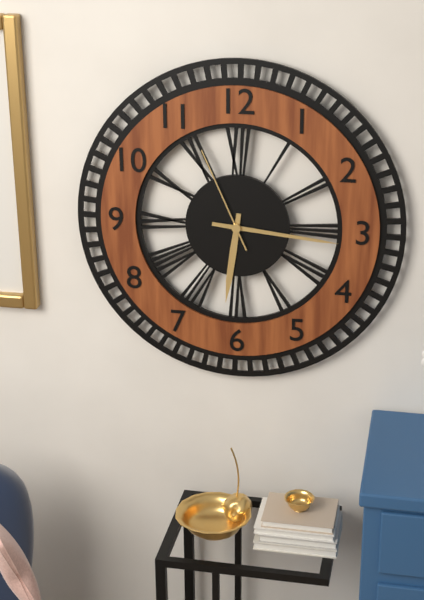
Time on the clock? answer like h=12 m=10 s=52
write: h=6 m=16 s=56
